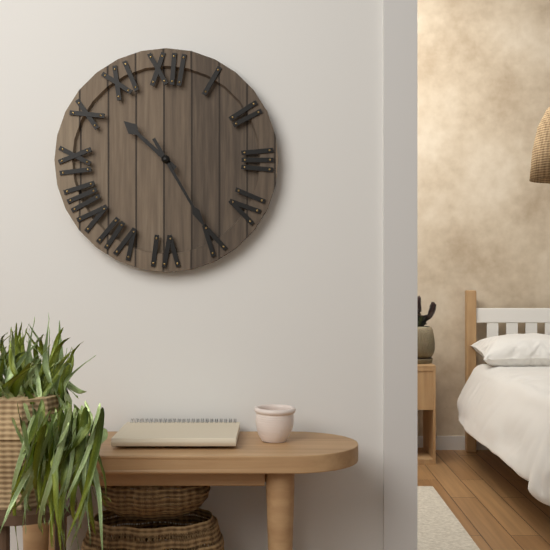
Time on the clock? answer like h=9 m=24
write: h=10 m=25
